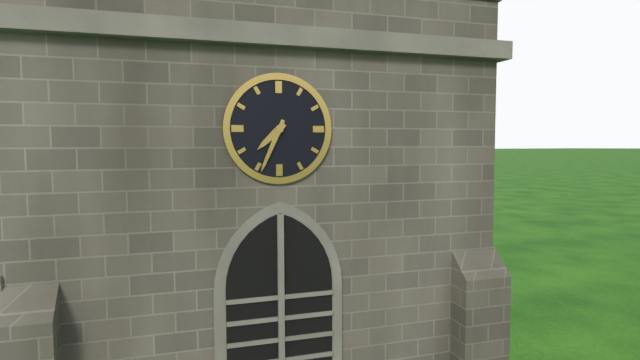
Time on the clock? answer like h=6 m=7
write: h=7 m=34
